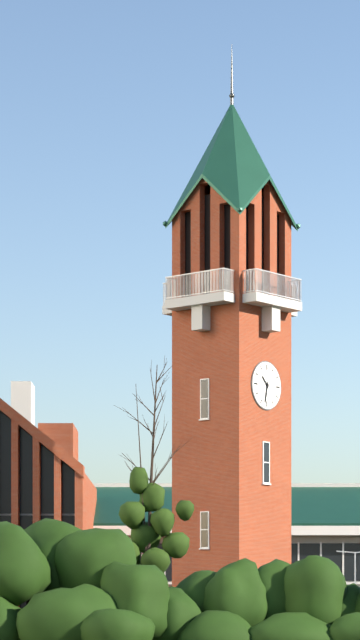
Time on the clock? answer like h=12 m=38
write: h=10 m=32
